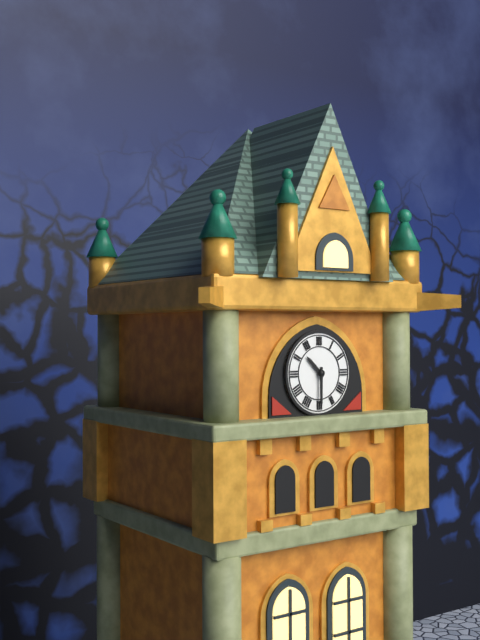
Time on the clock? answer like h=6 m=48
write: h=10 m=30
